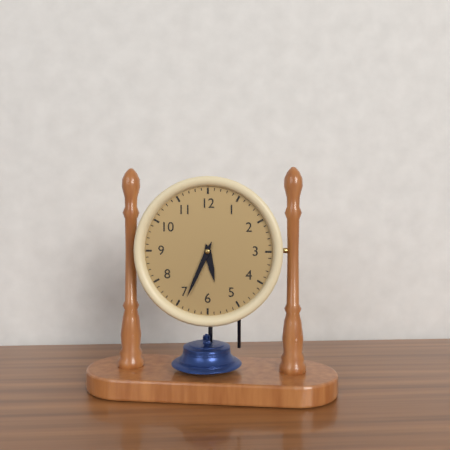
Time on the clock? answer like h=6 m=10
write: h=5 m=34
